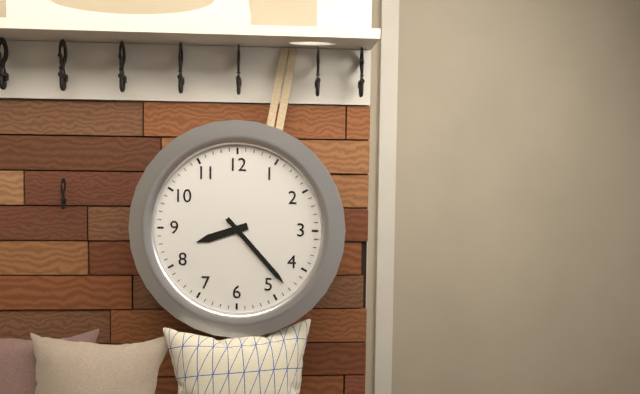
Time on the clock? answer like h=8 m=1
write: h=8 m=23
